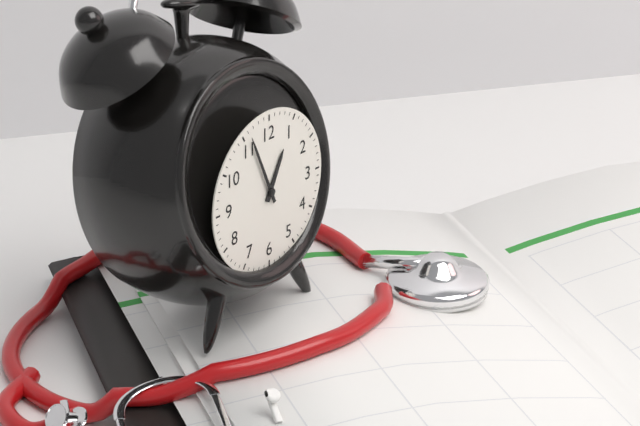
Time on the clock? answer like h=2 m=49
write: h=12 m=56
